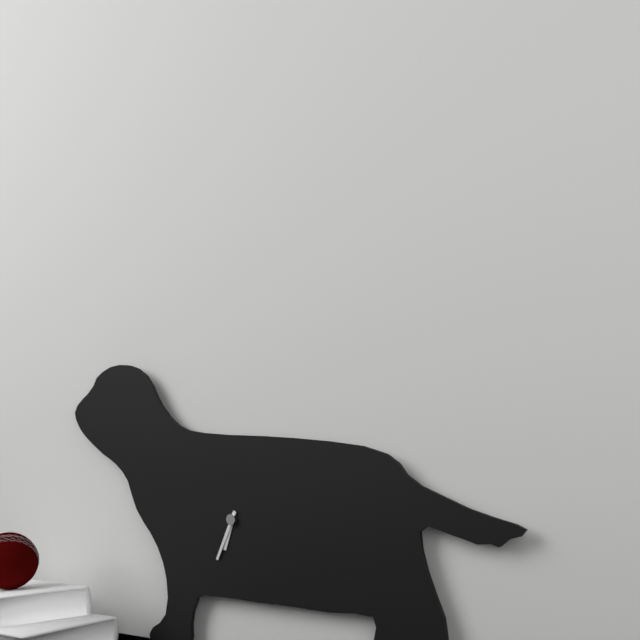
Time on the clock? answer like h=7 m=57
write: h=6 m=34
